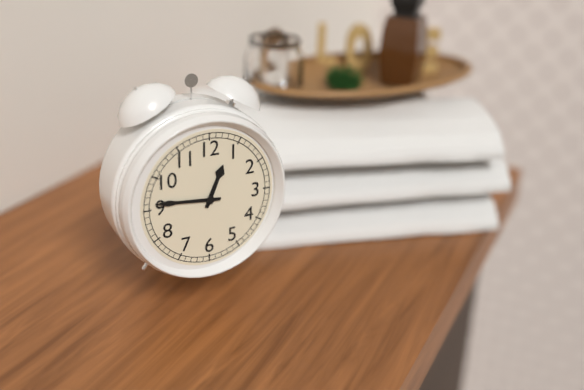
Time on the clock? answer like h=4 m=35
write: h=12 m=46
